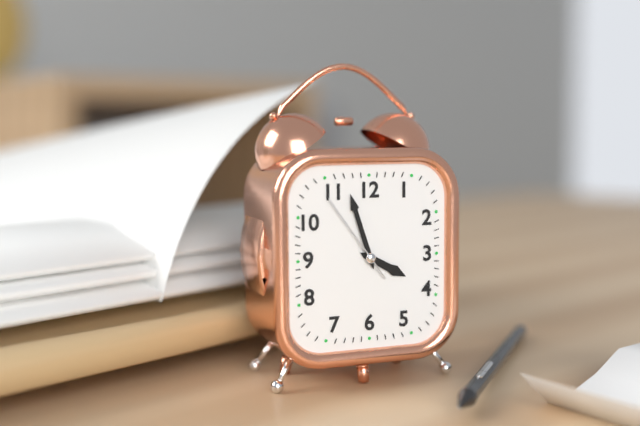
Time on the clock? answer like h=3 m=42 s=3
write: h=3 m=57 s=54
